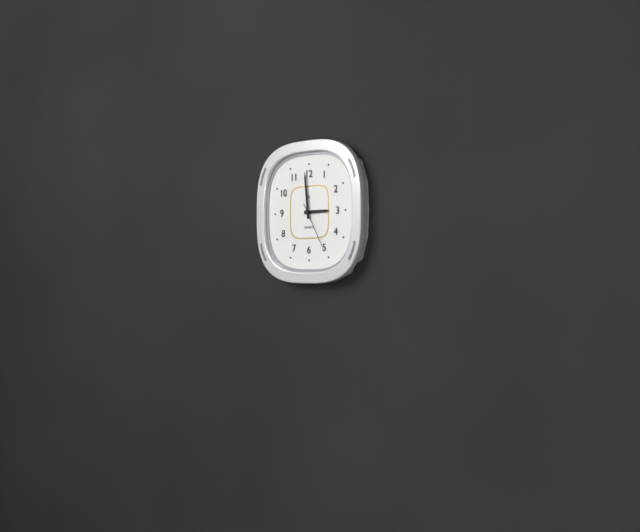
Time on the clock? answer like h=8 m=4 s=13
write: h=2 m=59 s=25
